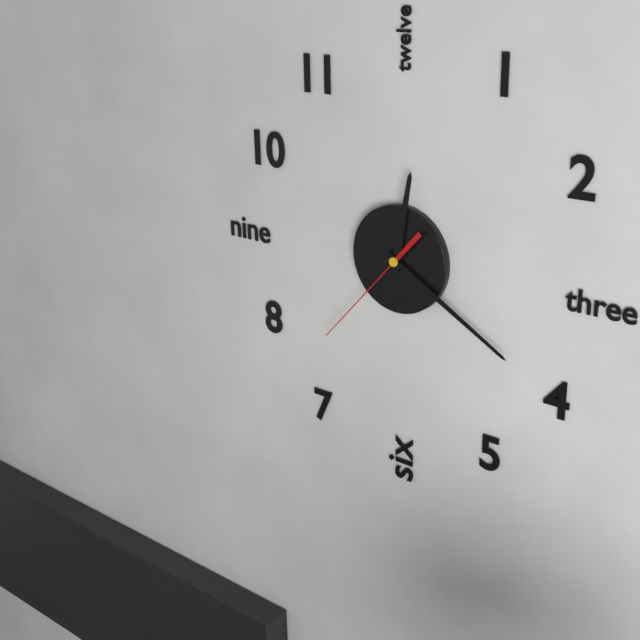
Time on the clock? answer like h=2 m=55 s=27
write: h=12 m=20 s=37
